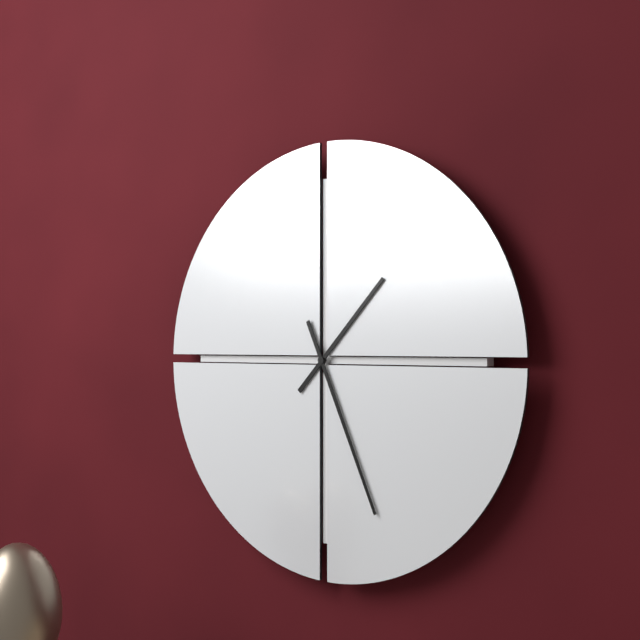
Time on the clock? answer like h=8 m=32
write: h=1 m=26
